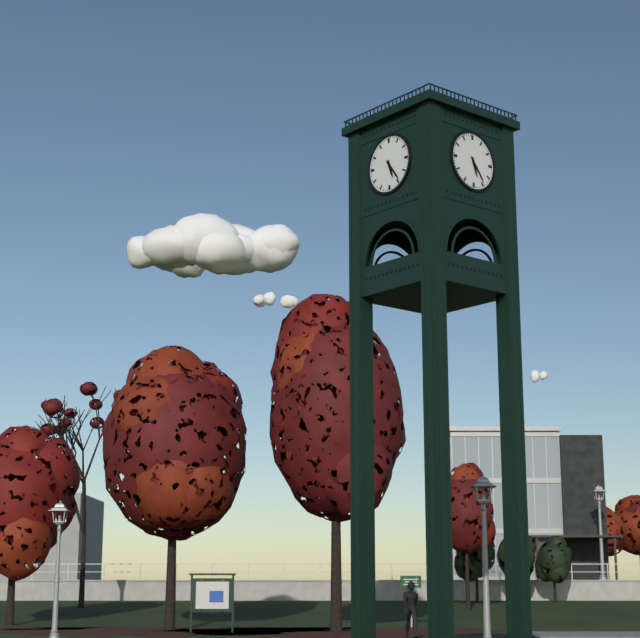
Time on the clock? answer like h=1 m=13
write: h=5 m=24
